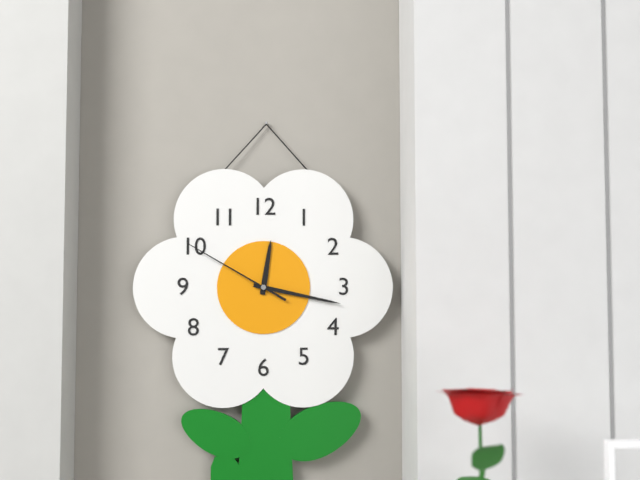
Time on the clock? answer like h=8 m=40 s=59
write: h=12 m=17 s=50
